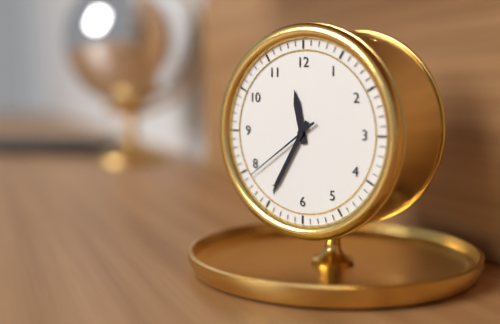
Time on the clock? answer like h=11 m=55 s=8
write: h=11 m=35 s=39
